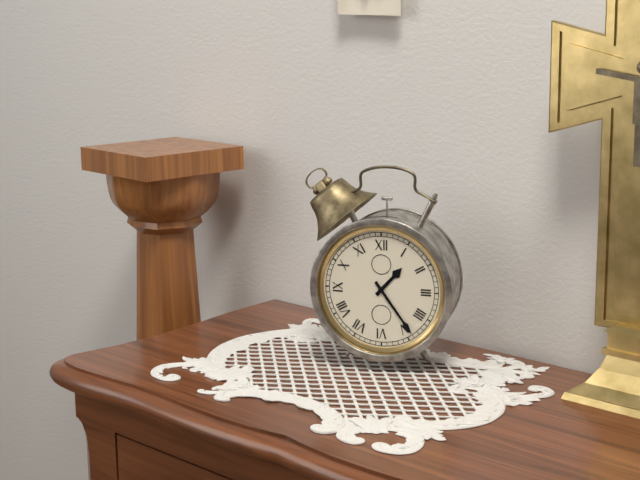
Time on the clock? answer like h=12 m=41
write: h=1 m=24
